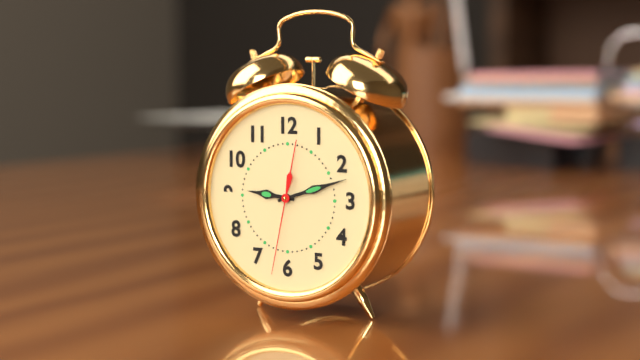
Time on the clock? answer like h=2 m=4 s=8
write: h=9 m=12 s=32
